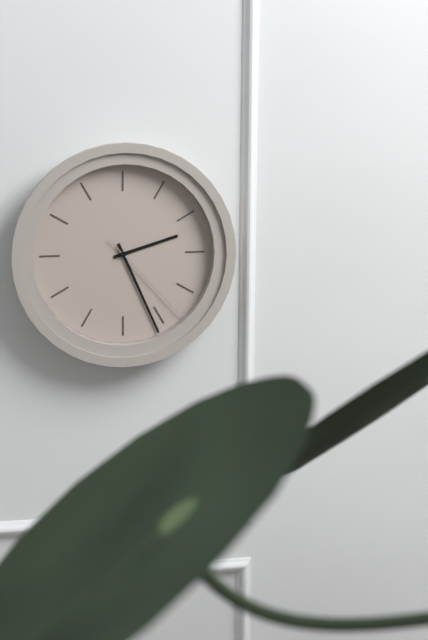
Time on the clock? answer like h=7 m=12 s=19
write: h=2 m=26 s=23
